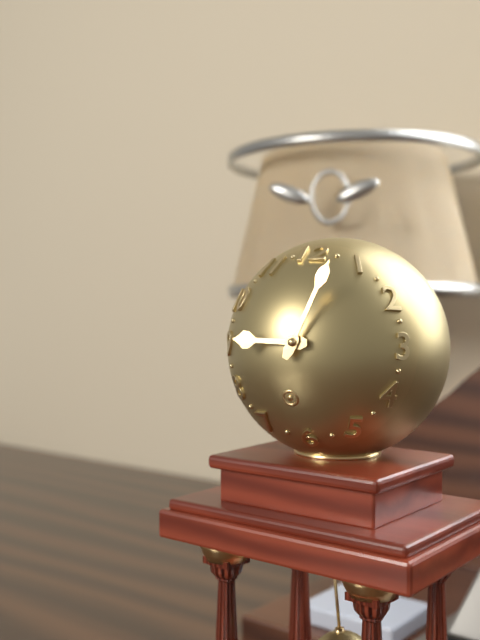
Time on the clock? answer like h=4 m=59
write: h=9 m=4
